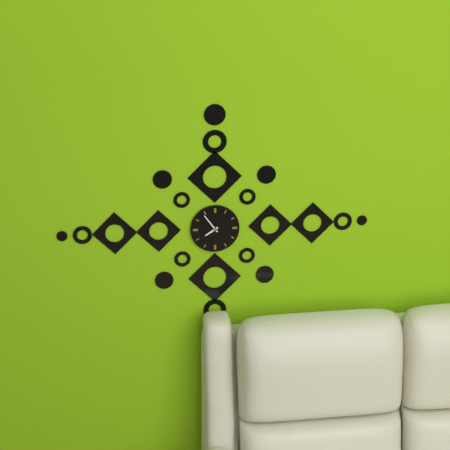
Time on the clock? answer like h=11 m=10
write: h=7 m=54
